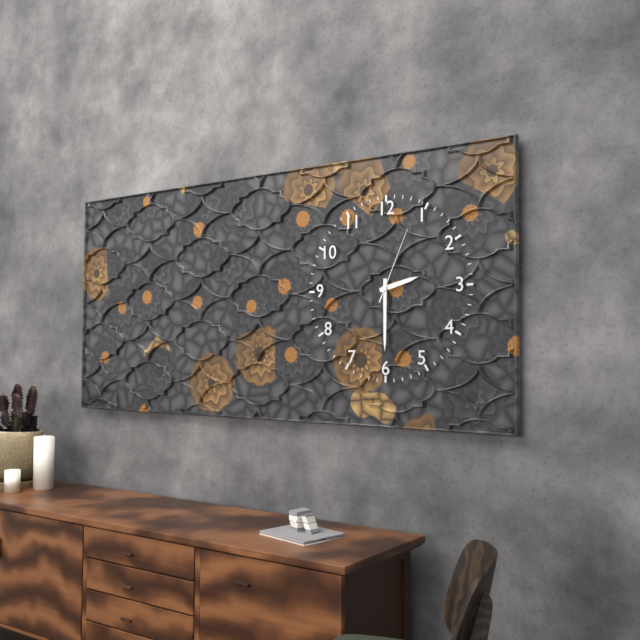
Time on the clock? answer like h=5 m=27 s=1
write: h=2 m=30 s=4
